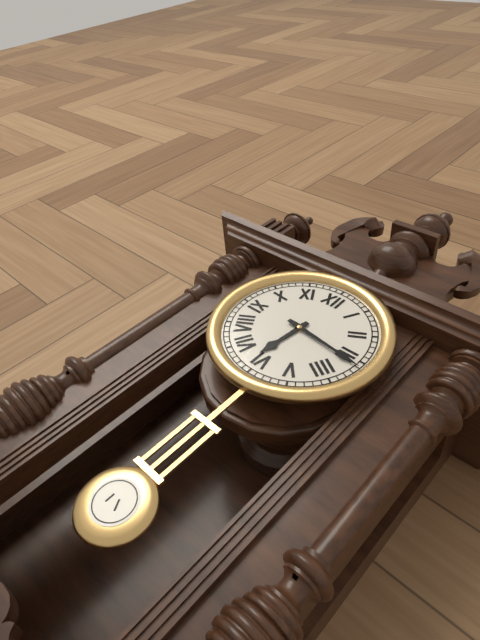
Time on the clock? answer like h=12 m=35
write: h=6 m=16
